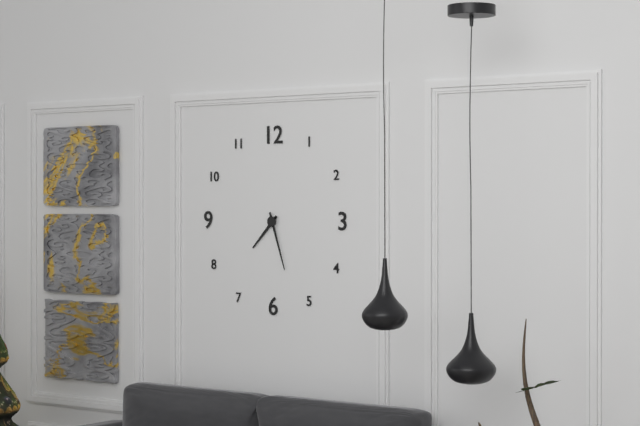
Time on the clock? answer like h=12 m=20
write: h=7 m=27
